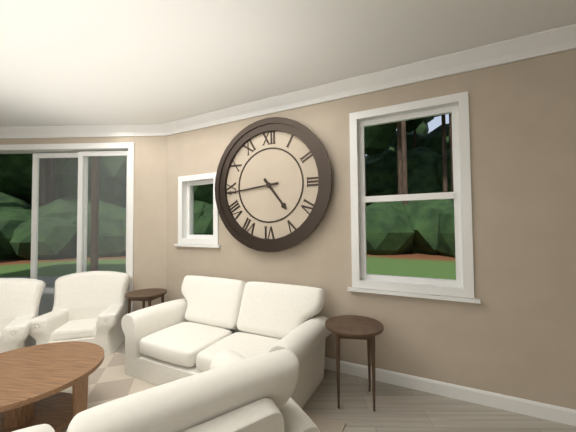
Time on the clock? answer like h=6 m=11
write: h=4 m=44
